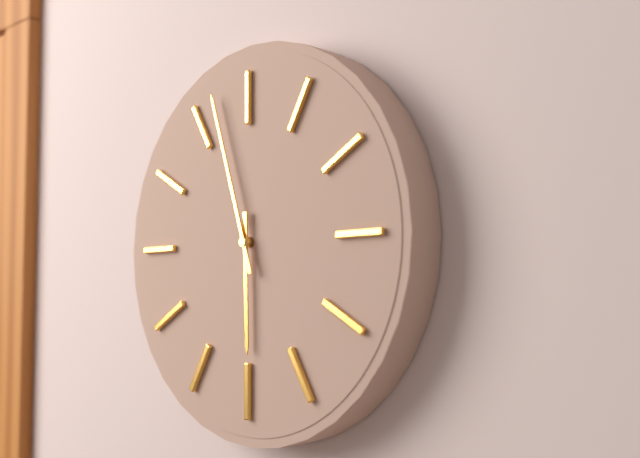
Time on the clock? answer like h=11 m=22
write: h=5 m=57
